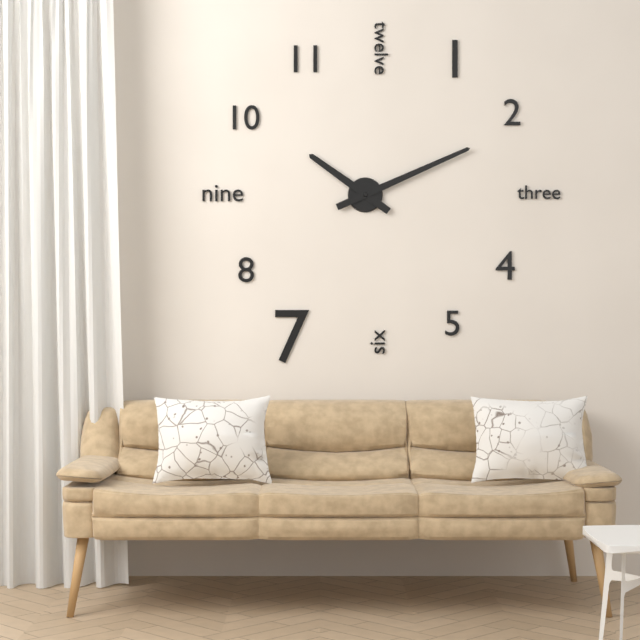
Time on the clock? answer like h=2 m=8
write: h=10 m=11
